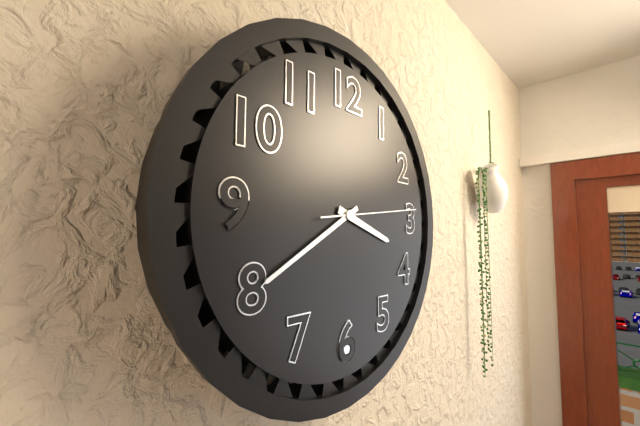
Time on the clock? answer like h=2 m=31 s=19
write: h=3 m=40 s=14
